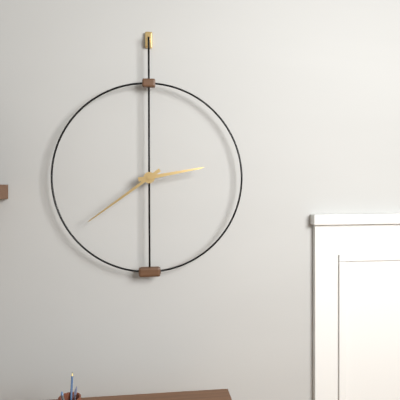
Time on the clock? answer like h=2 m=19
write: h=2 m=39
